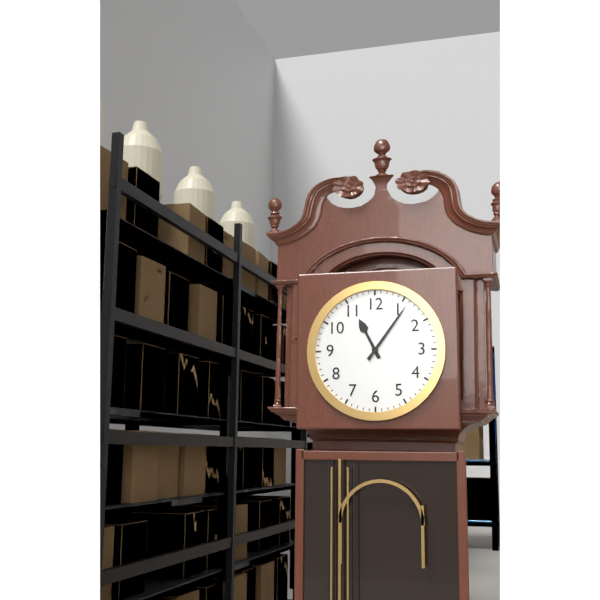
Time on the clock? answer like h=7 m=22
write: h=11 m=6
